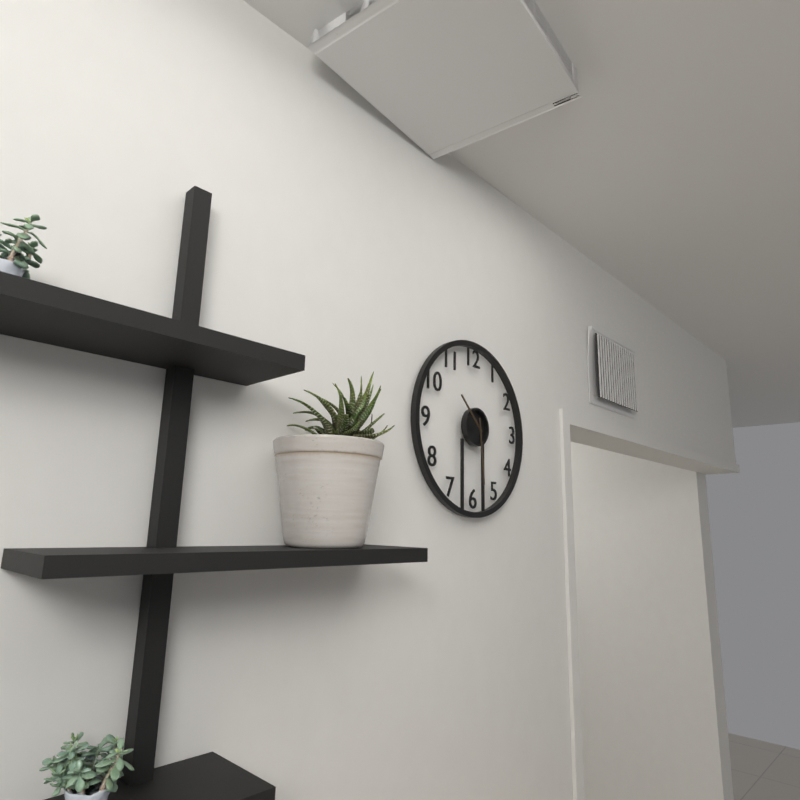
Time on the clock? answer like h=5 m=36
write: h=10 m=29
